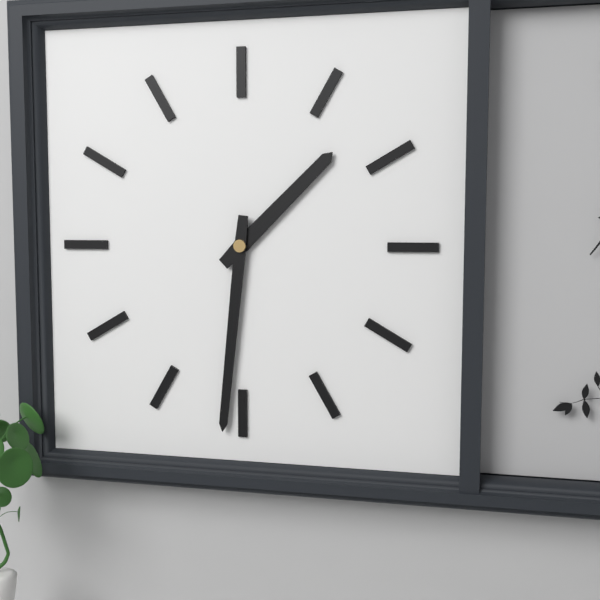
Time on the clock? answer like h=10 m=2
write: h=1 m=31
